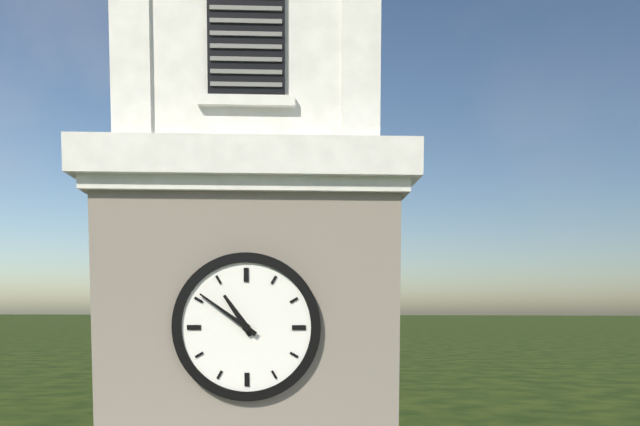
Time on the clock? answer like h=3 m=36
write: h=10 m=51
